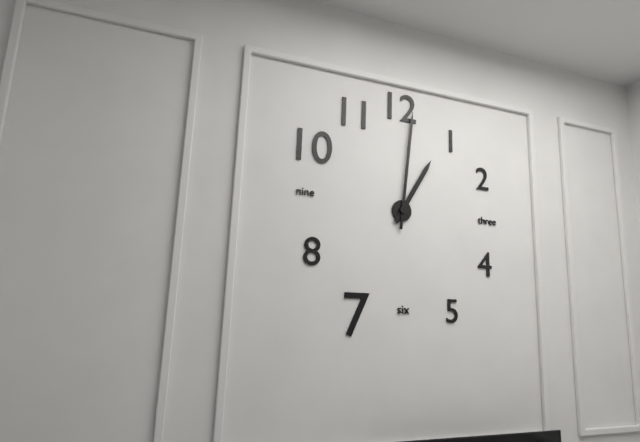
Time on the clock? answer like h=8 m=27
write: h=1 m=1
